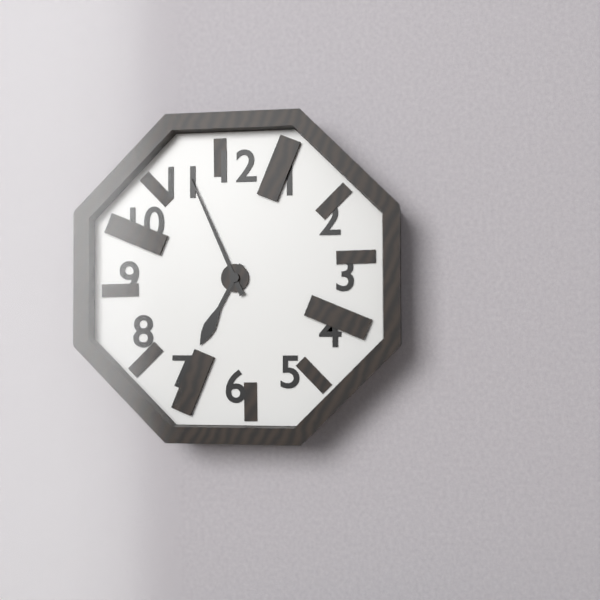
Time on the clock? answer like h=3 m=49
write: h=6 m=56
